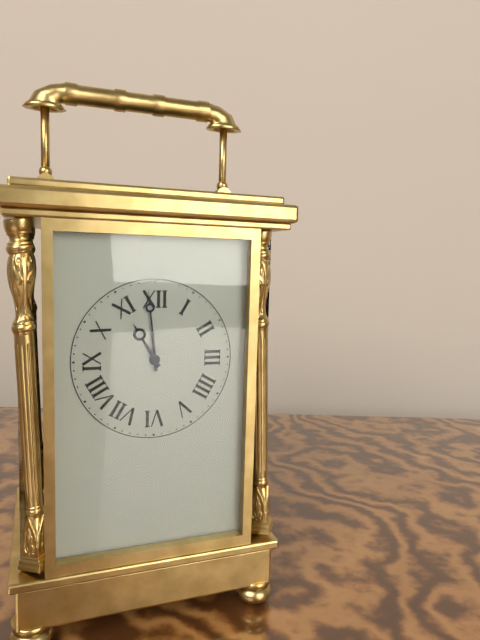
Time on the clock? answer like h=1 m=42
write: h=10 m=59
